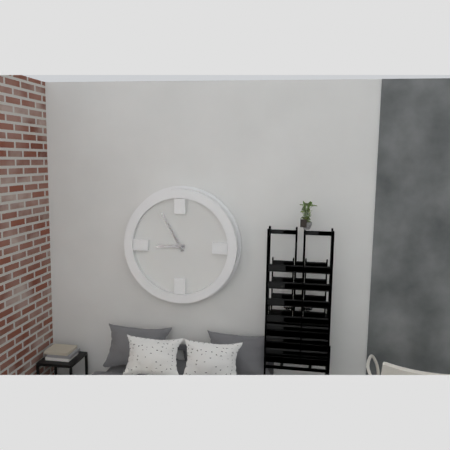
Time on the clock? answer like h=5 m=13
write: h=8 m=55
